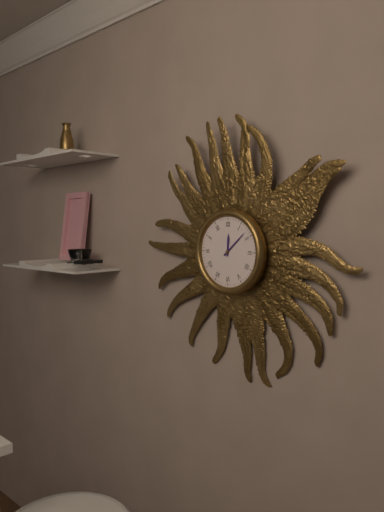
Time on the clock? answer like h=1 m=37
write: h=12 m=8
